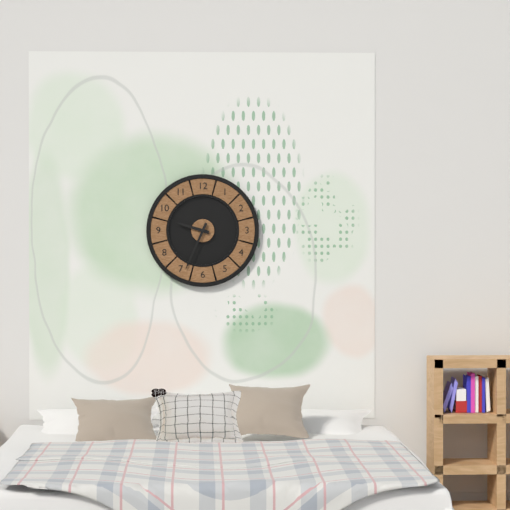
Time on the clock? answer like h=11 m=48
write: h=9 m=34
